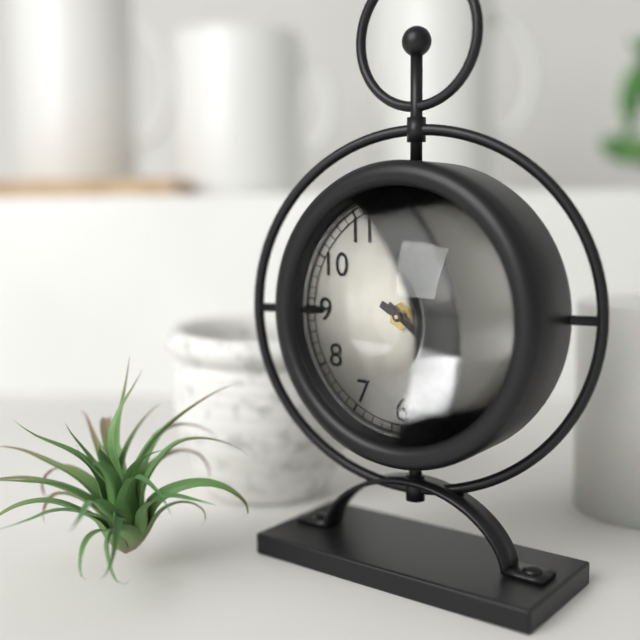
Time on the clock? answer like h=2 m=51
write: h=4 m=20
